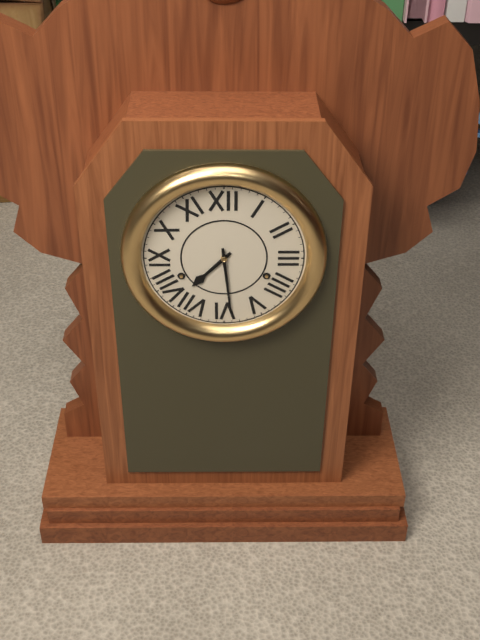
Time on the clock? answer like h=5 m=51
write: h=7 m=29
